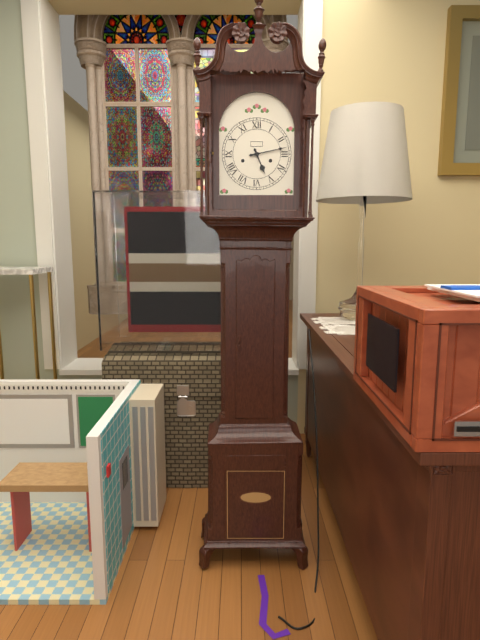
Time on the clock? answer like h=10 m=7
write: h=5 m=13
